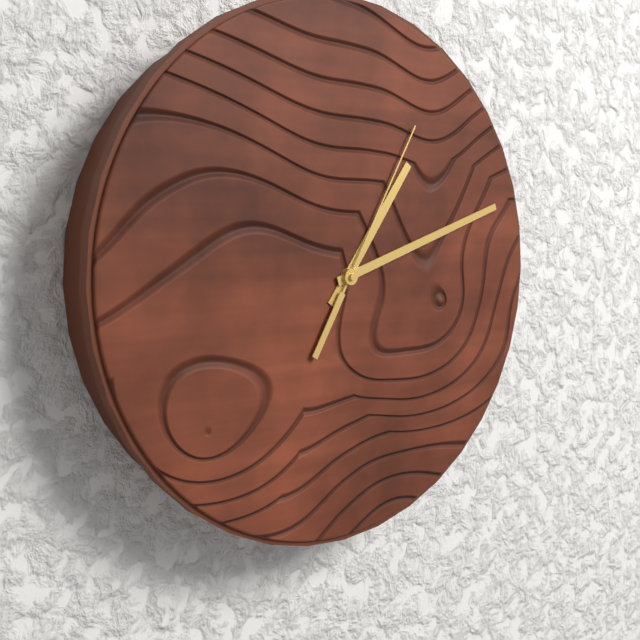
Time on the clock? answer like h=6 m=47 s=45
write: h=1 m=12 s=5
